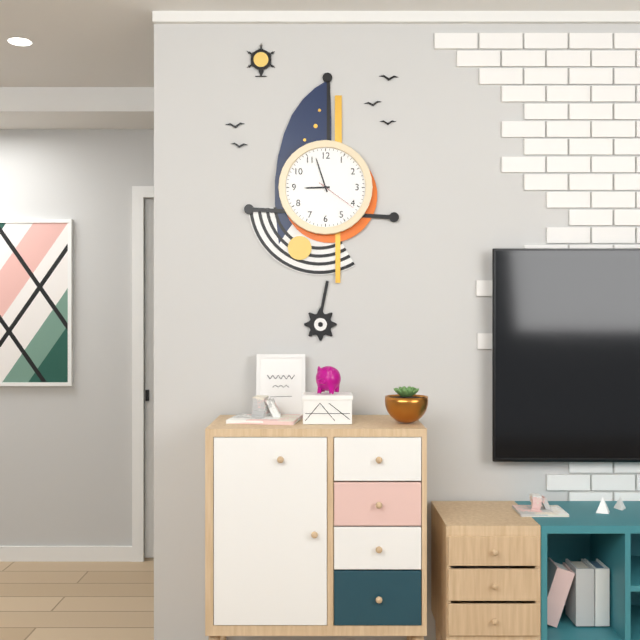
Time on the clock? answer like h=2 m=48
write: h=8 m=57
